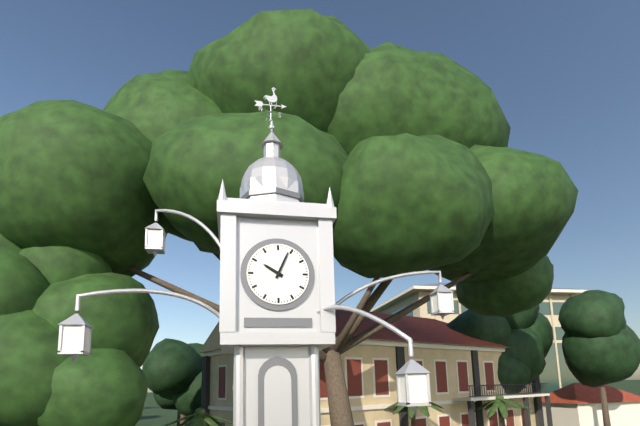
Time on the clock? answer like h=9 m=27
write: h=10 m=4
